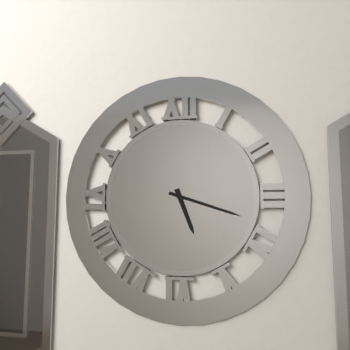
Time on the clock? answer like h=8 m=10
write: h=5 m=18
